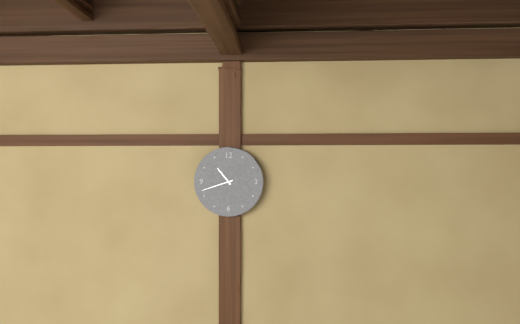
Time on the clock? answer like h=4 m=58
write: h=10 m=42
